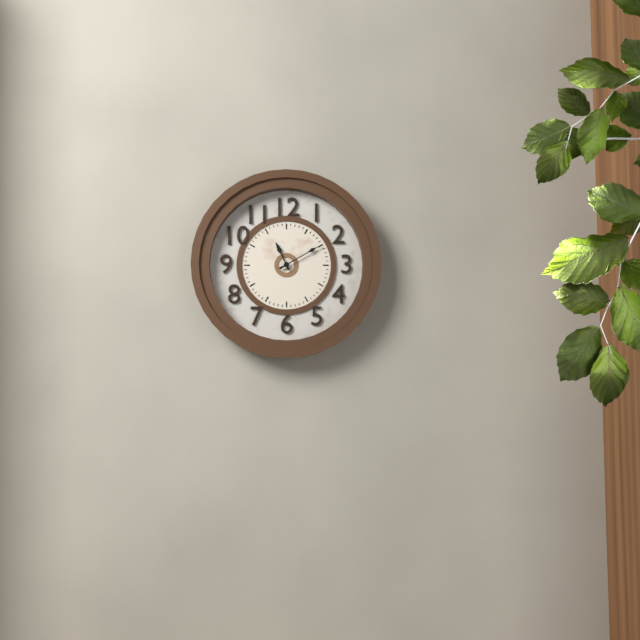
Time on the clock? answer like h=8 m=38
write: h=11 m=10
